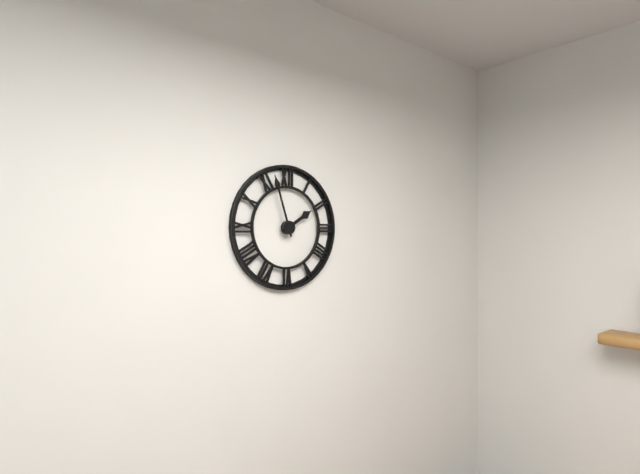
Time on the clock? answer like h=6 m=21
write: h=1 m=57
